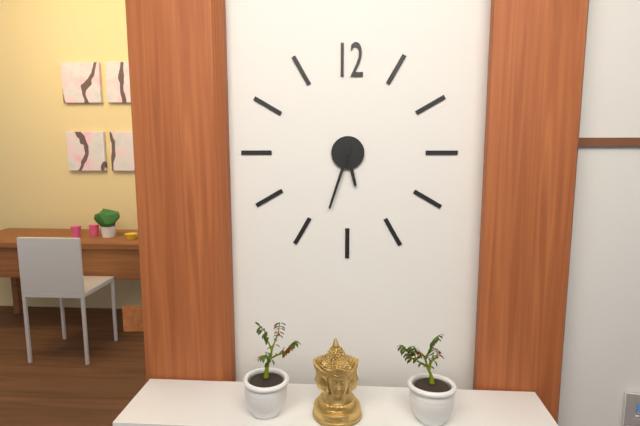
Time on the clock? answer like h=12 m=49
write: h=5 m=33
